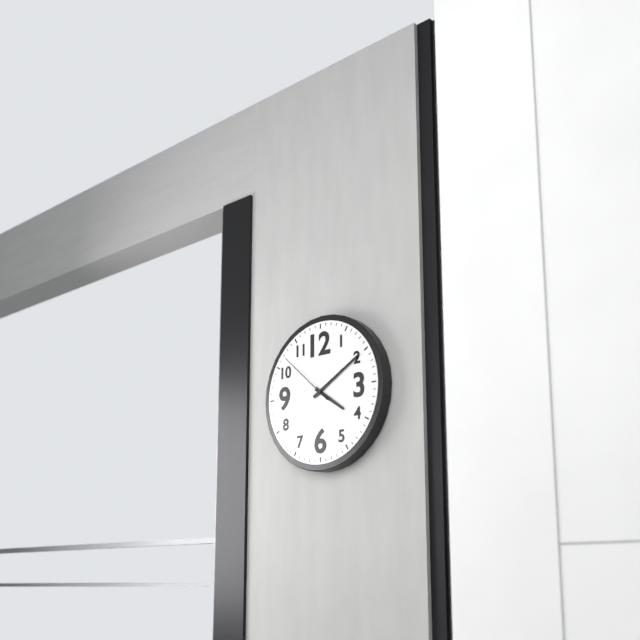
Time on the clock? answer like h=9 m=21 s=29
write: h=4 m=10 s=52
